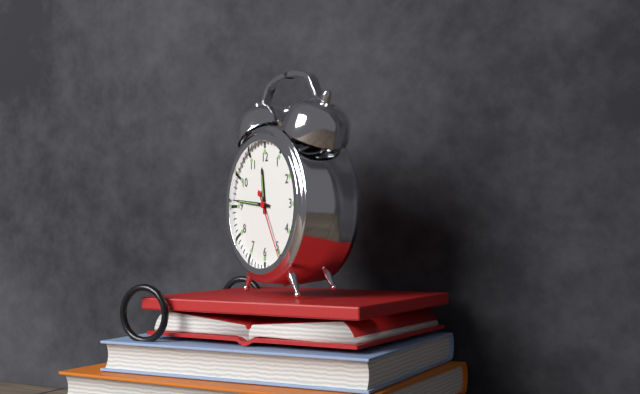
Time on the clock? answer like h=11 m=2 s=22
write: h=11 m=46 s=25
